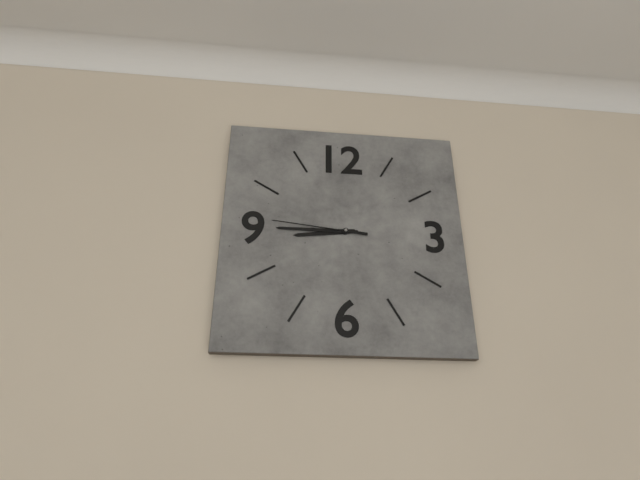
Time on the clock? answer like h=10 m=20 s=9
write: h=8 m=45 s=46
